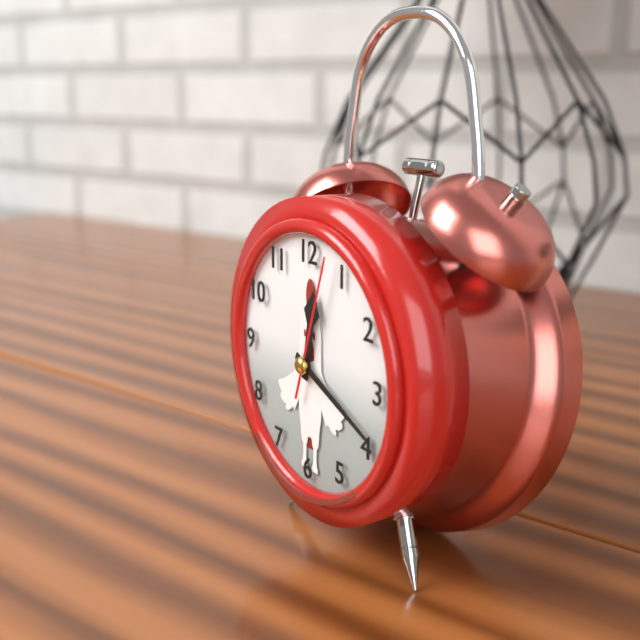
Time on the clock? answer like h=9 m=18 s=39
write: h=12 m=19 s=3
